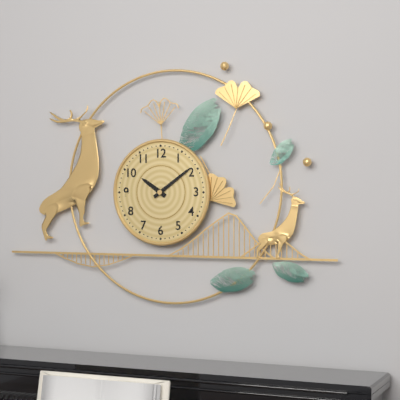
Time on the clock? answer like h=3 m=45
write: h=10 m=9
